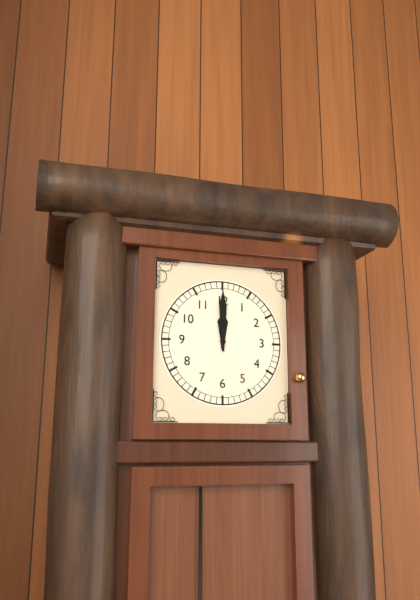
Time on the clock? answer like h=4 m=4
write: h=12 m=0
